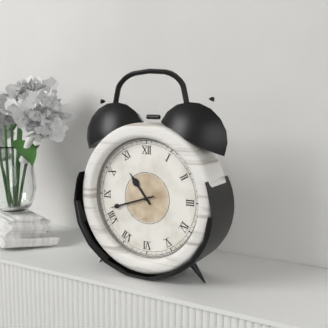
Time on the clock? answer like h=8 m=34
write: h=10 m=42
